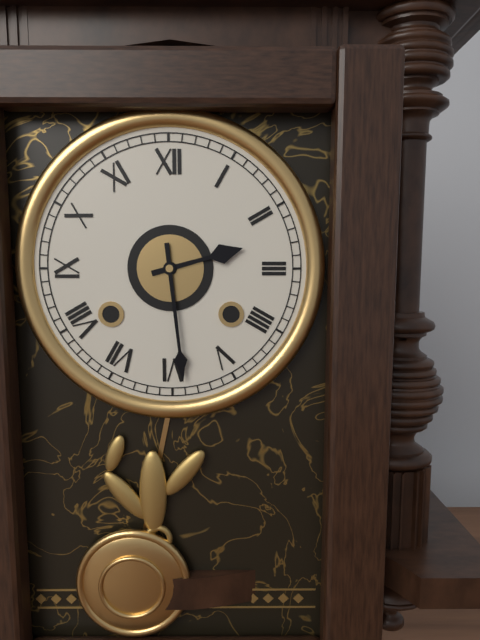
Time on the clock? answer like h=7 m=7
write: h=2 m=29
